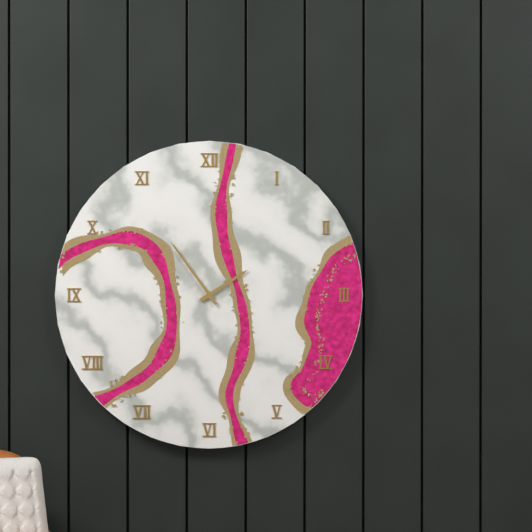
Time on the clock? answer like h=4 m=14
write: h=1 m=54
